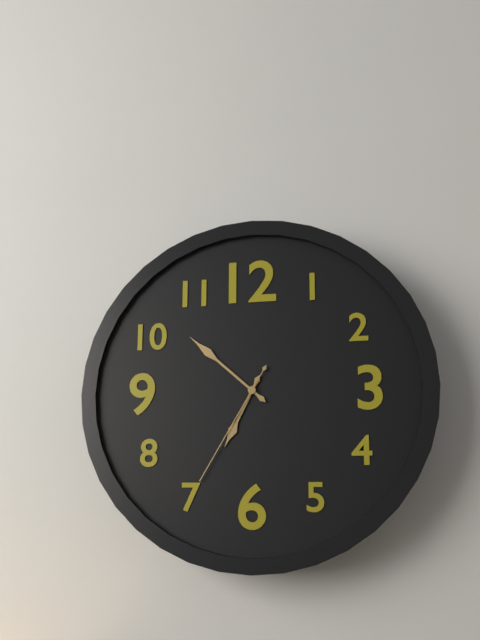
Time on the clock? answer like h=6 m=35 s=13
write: h=6 m=52 s=35
